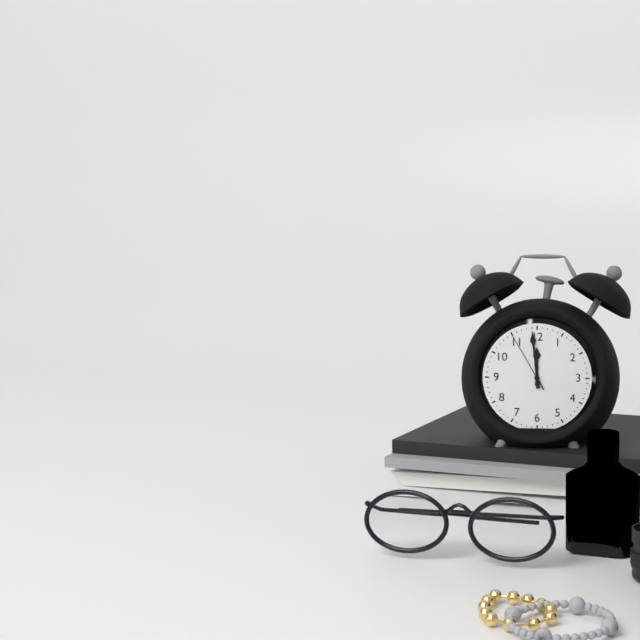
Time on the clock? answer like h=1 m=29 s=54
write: h=11 m=59 s=55
